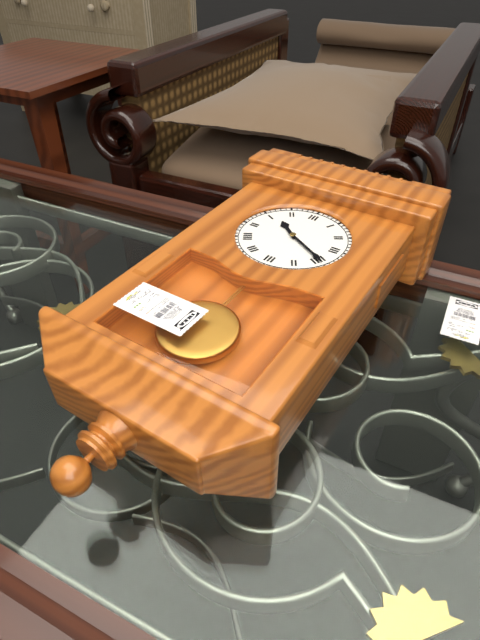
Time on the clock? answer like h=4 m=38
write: h=10 m=20
